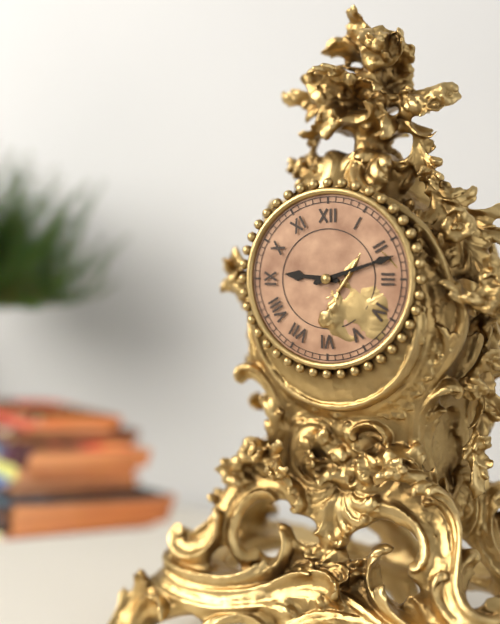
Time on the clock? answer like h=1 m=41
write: h=9 m=12
